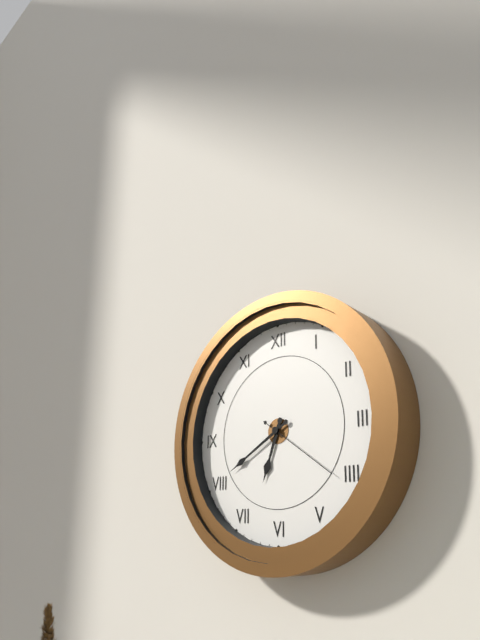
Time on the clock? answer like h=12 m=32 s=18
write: h=6 m=40 s=21
